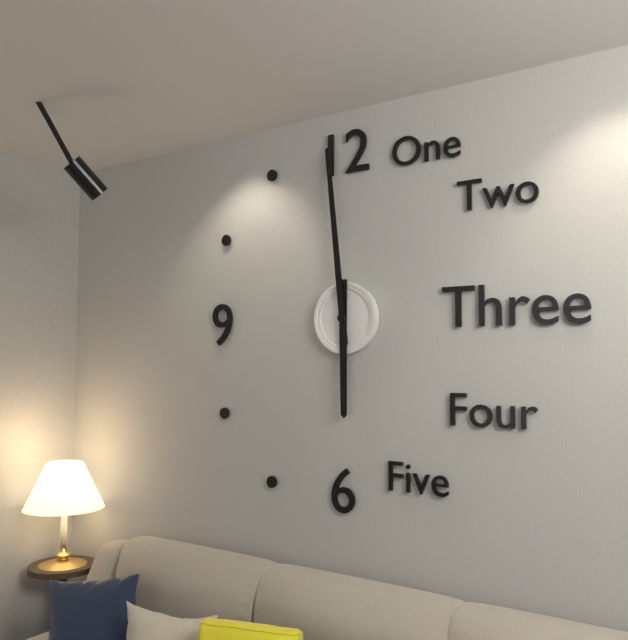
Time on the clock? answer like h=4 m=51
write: h=5 m=59
